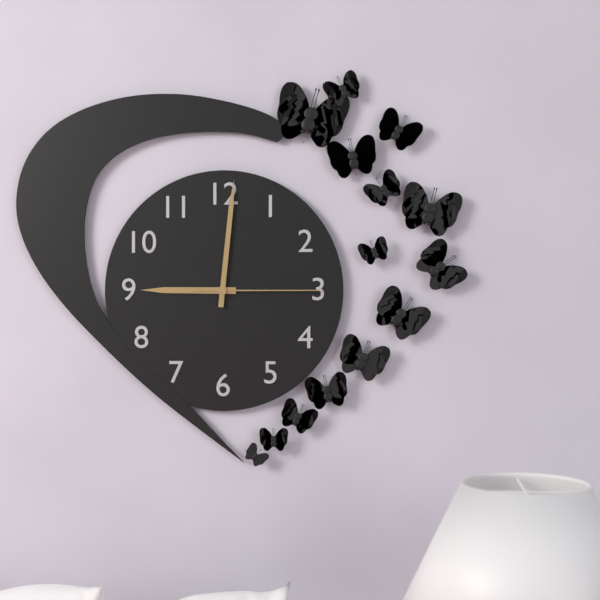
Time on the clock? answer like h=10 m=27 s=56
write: h=9 m=1 s=15
